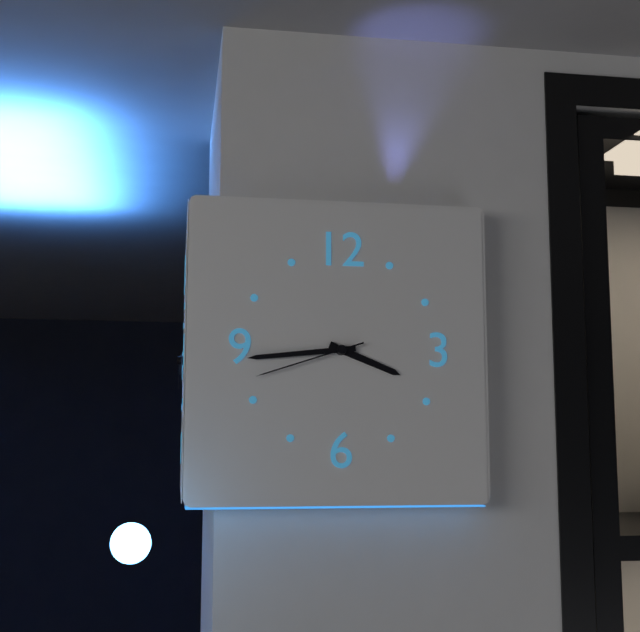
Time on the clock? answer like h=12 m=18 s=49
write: h=3 m=44 s=42
